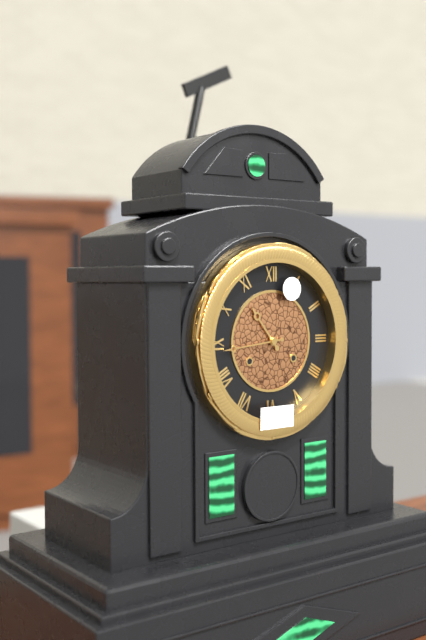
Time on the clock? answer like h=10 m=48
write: h=10 m=44
